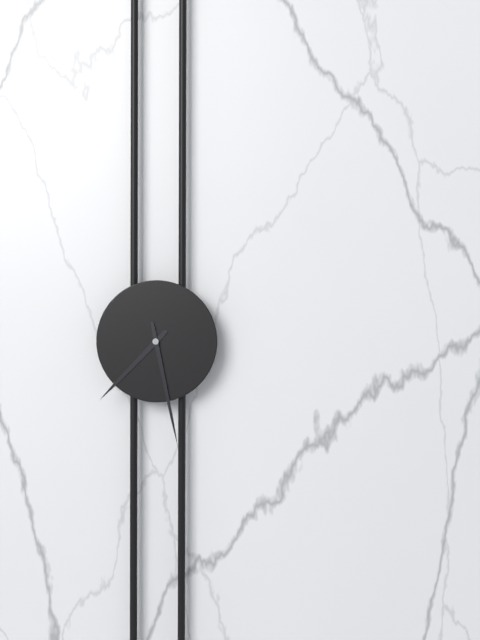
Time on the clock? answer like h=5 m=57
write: h=7 m=28
